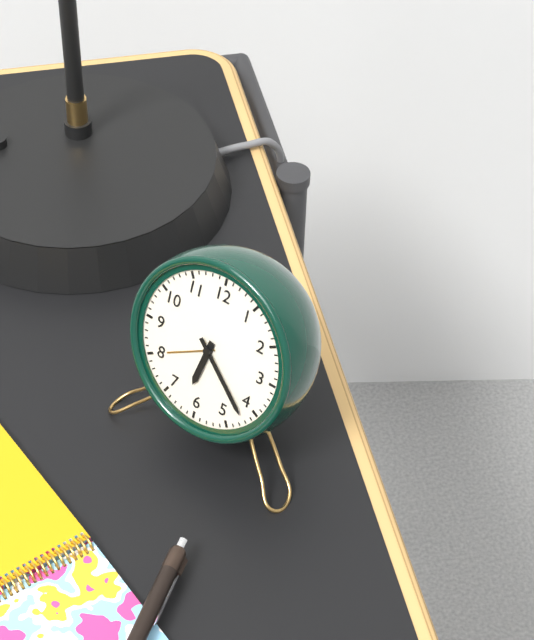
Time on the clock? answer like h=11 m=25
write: h=6 m=22
